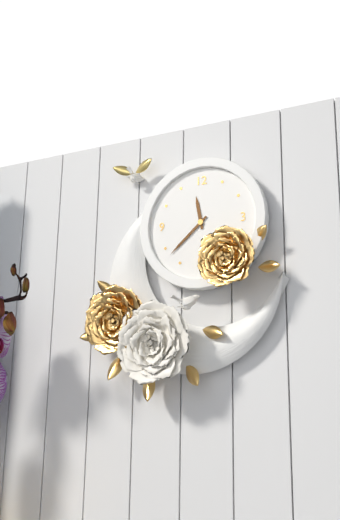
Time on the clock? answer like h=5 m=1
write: h=11 m=38
